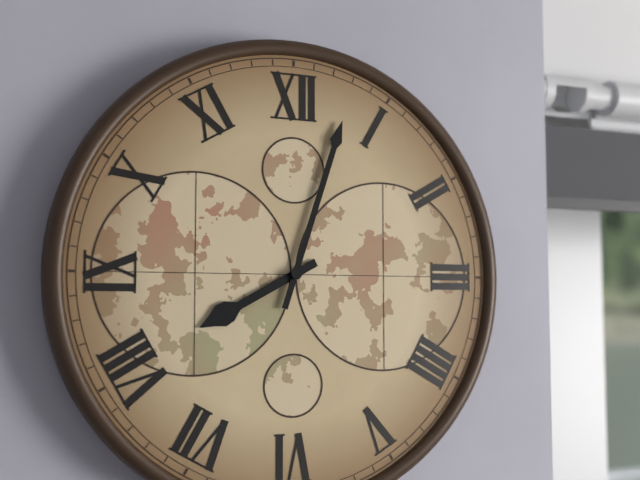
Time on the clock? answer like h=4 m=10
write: h=8 m=3
